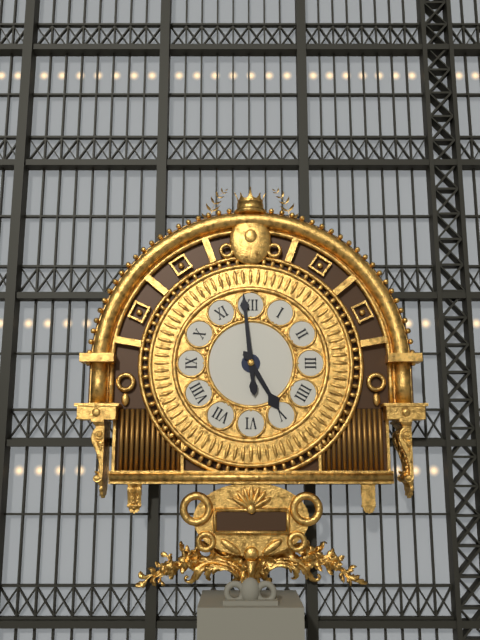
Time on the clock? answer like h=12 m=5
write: h=4 m=59
